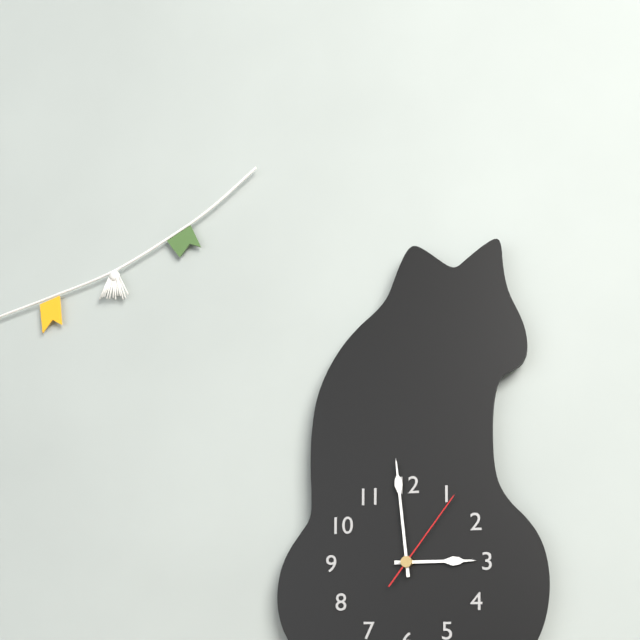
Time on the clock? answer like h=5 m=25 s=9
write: h=2 m=59 s=6
